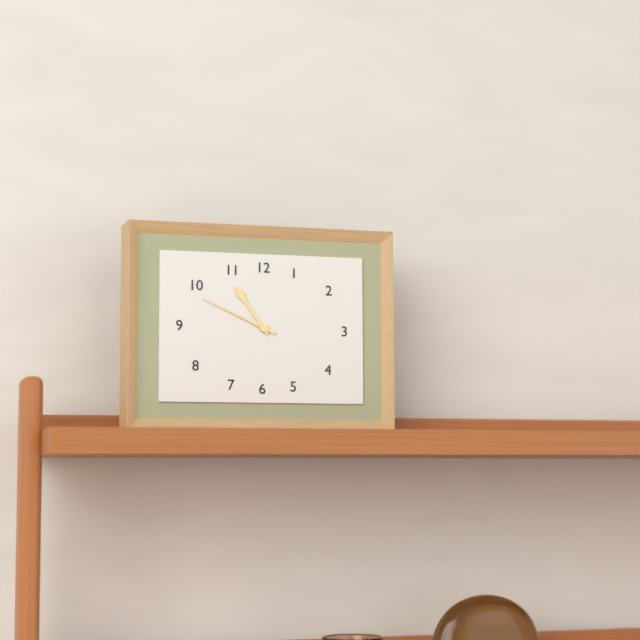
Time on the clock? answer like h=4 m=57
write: h=10 m=49
